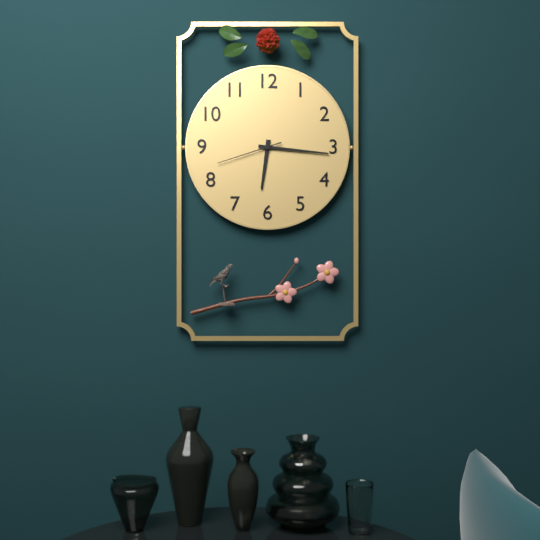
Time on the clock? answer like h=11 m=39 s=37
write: h=6 m=16 s=42
